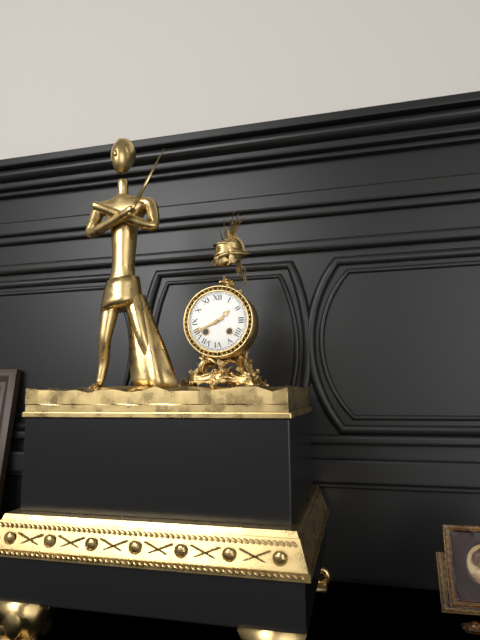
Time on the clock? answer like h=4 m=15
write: h=1 m=41
